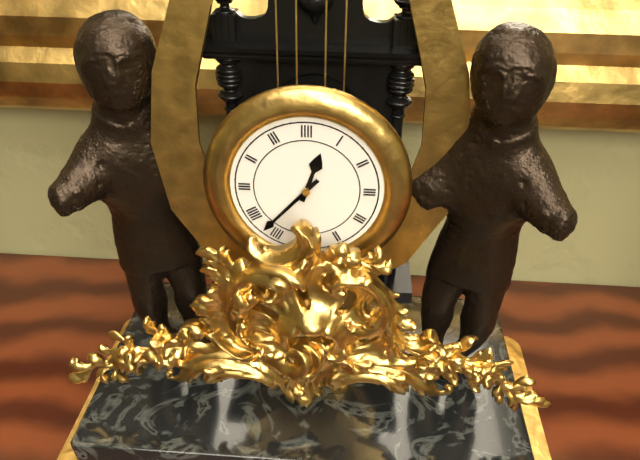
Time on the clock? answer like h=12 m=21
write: h=12 m=37
